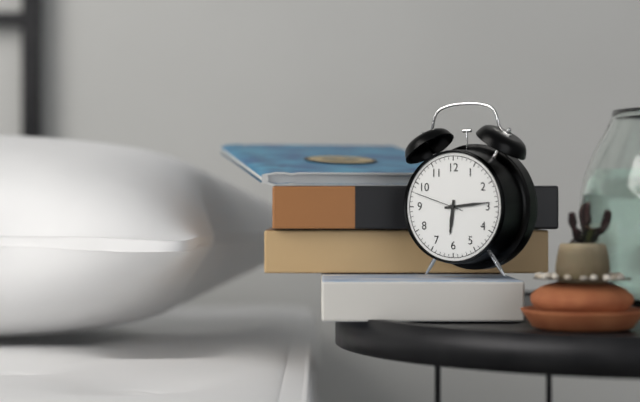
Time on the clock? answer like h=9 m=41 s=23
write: h=6 m=14 s=48
